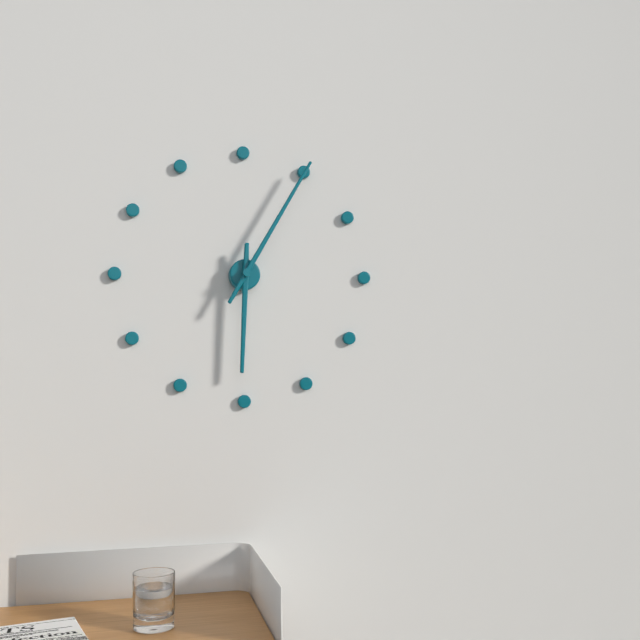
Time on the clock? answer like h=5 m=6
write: h=6 m=5
